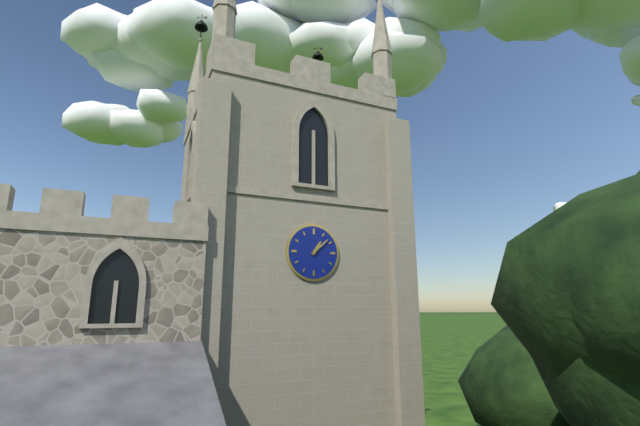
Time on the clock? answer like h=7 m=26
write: h=1 m=8
